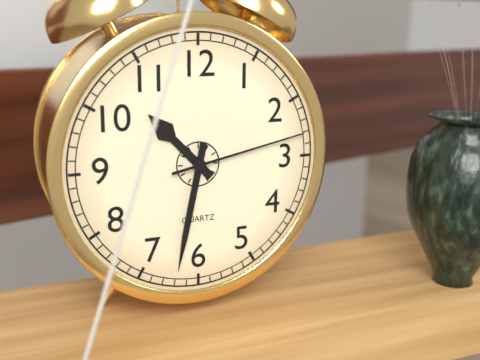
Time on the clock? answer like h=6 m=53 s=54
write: h=10 m=32 s=13
